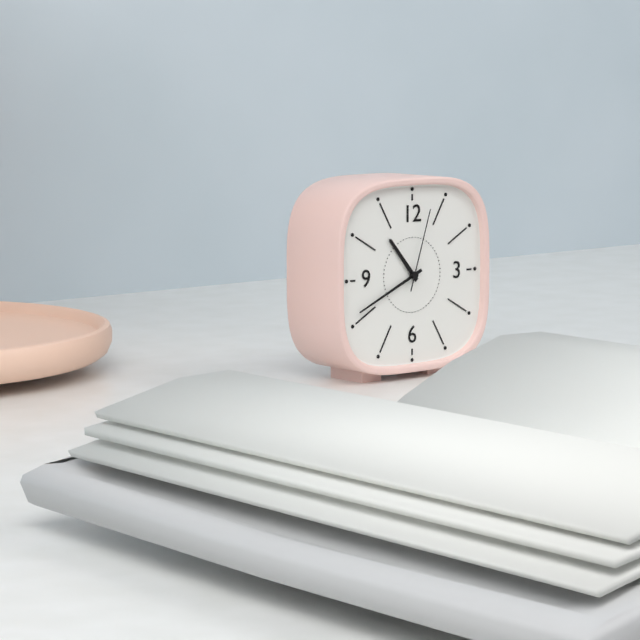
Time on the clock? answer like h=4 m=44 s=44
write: h=10 m=41 s=3
